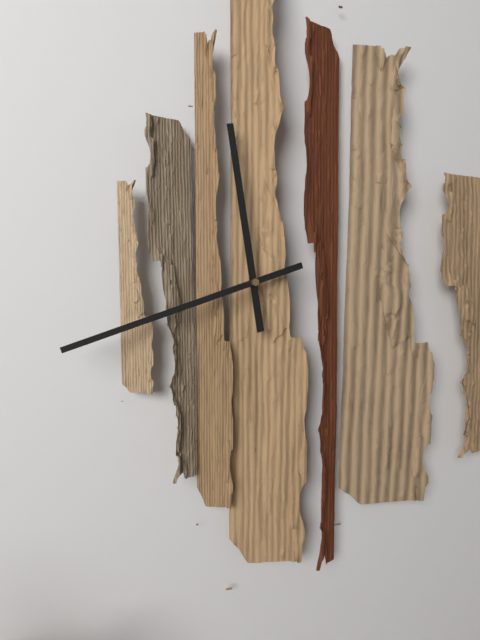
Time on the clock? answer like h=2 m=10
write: h=11 m=42
